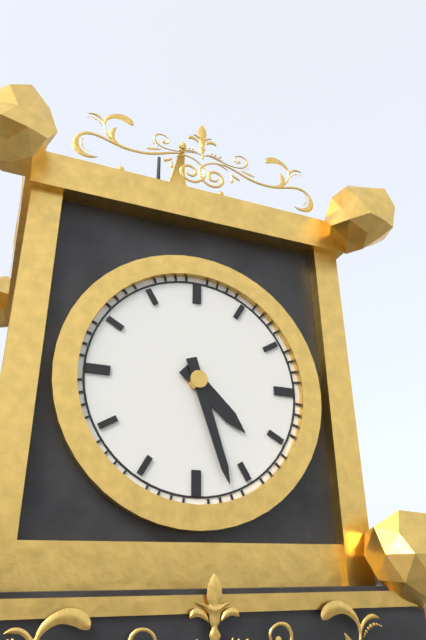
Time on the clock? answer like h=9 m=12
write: h=4 m=27
